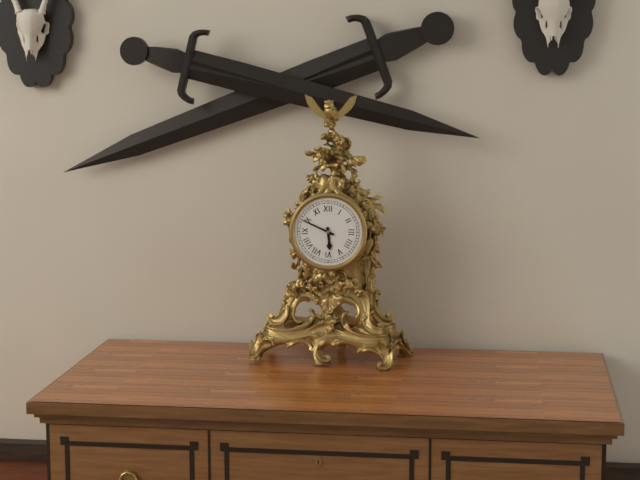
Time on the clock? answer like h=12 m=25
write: h=5 m=49
